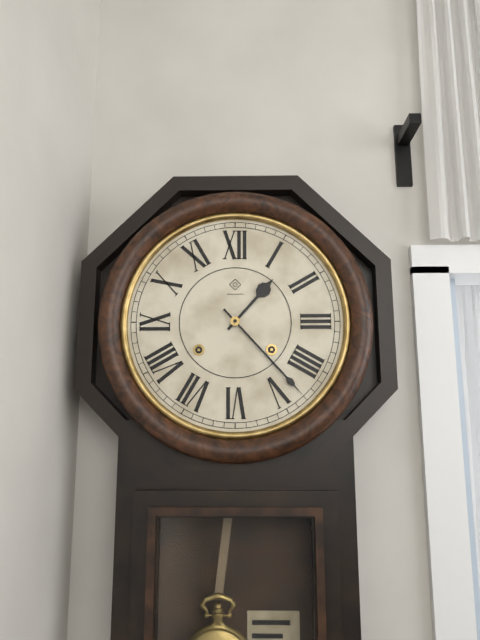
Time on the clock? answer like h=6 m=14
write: h=1 m=23
